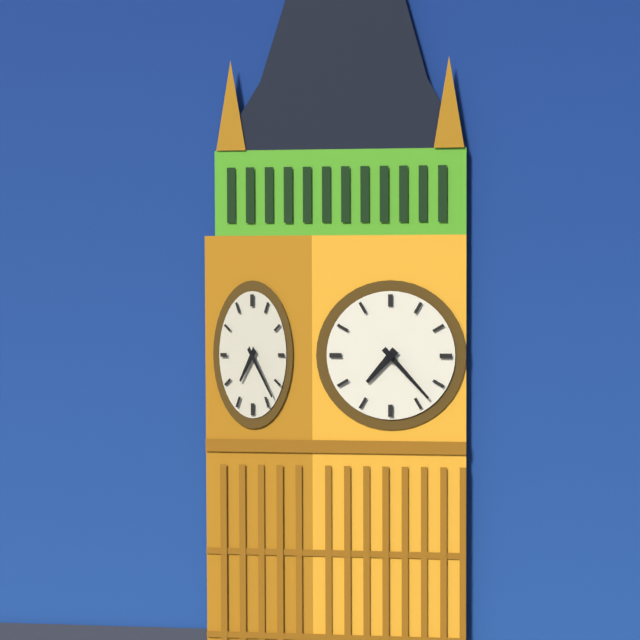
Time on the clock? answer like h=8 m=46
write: h=7 m=23
